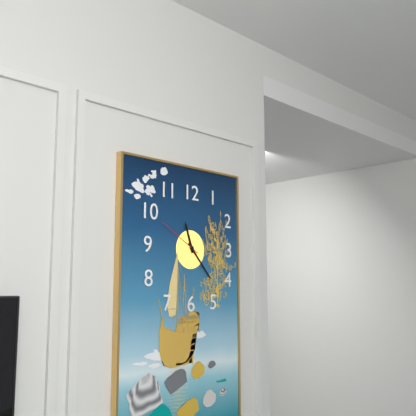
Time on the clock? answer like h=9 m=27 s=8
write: h=11 m=23 s=50
